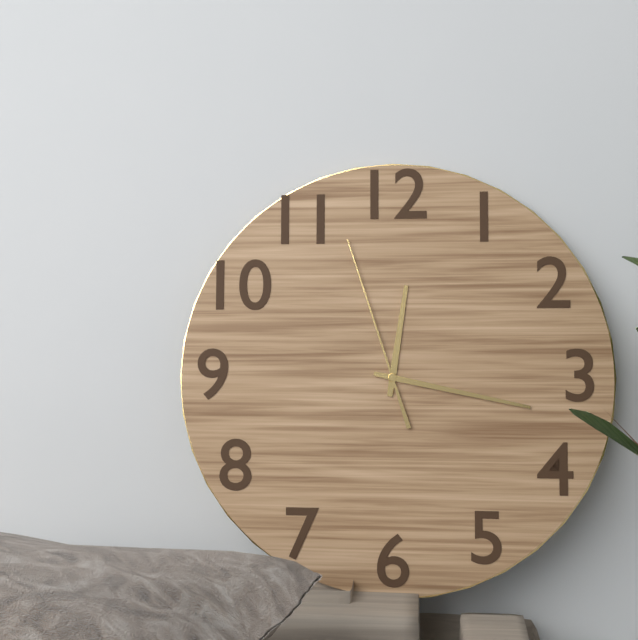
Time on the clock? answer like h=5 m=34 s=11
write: h=12 m=17 s=57
